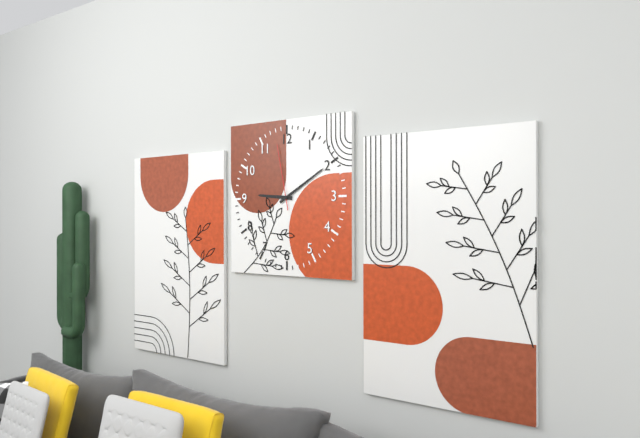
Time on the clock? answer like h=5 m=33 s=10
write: h=9 m=10 s=58
